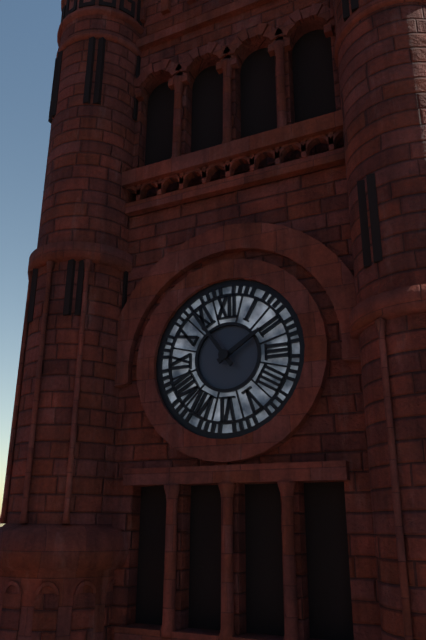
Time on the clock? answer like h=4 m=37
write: h=1 m=54
